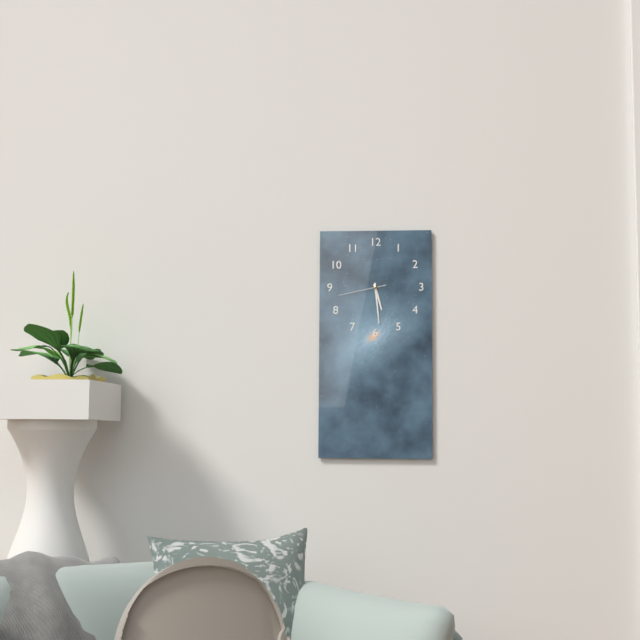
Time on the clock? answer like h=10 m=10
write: h=5 m=29
